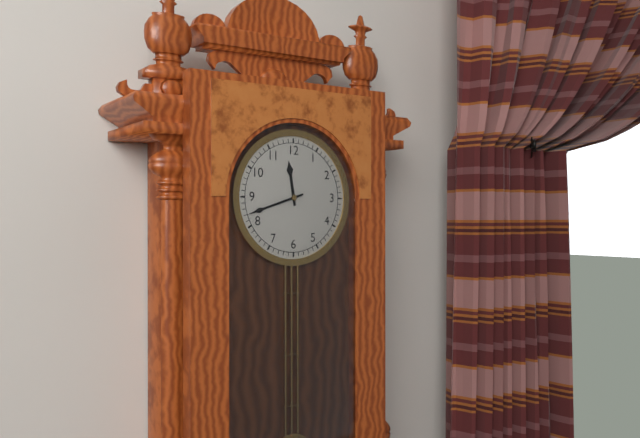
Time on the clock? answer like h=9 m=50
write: h=11 m=42
